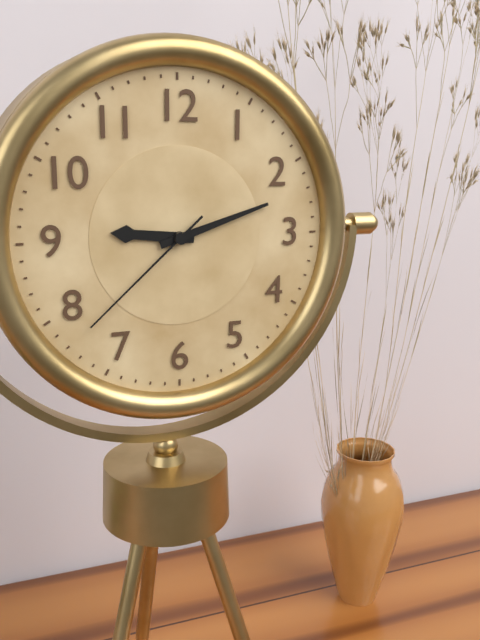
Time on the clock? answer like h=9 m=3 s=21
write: h=9 m=12 s=38
